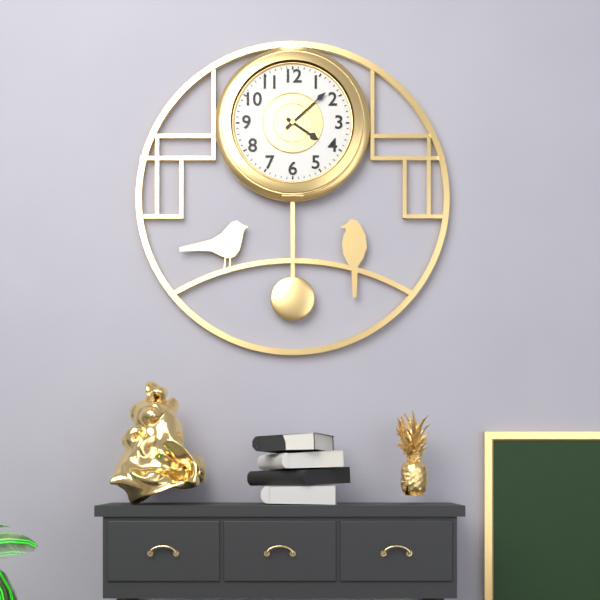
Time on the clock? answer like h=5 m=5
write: h=4 m=8
